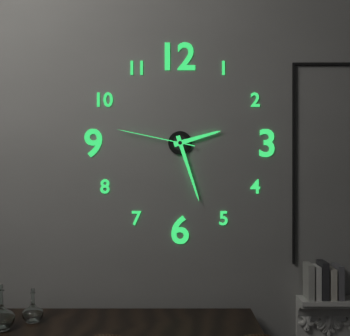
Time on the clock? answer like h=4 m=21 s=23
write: h=2 m=27 s=47
